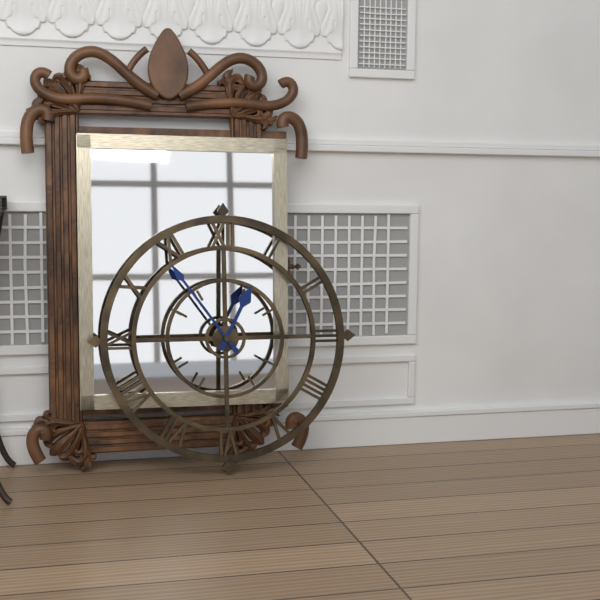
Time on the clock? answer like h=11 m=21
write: h=12 m=54
